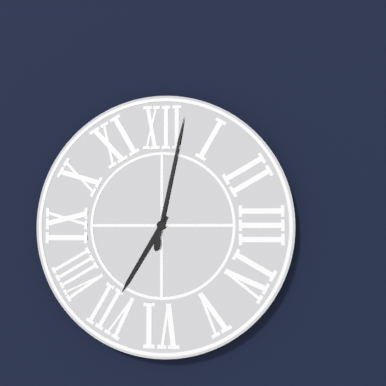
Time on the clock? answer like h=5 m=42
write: h=7 m=2
